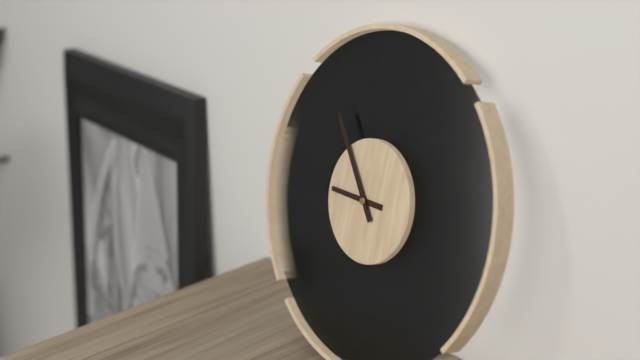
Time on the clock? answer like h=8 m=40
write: h=8 m=53
